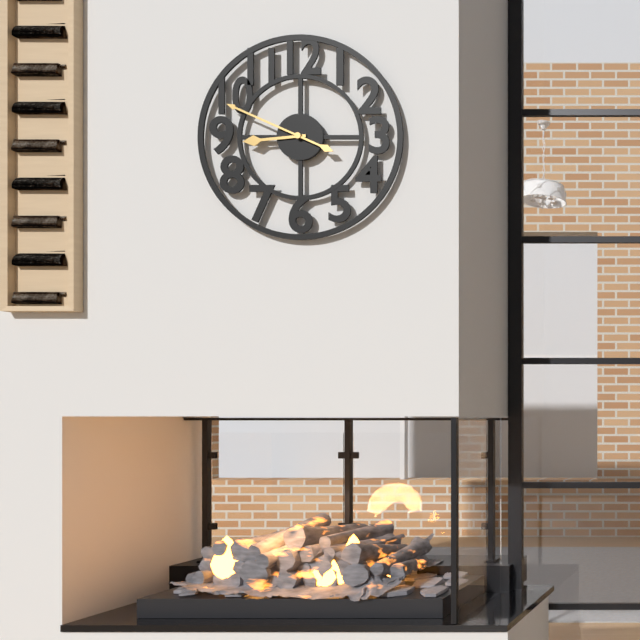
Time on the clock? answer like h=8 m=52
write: h=8 m=49
